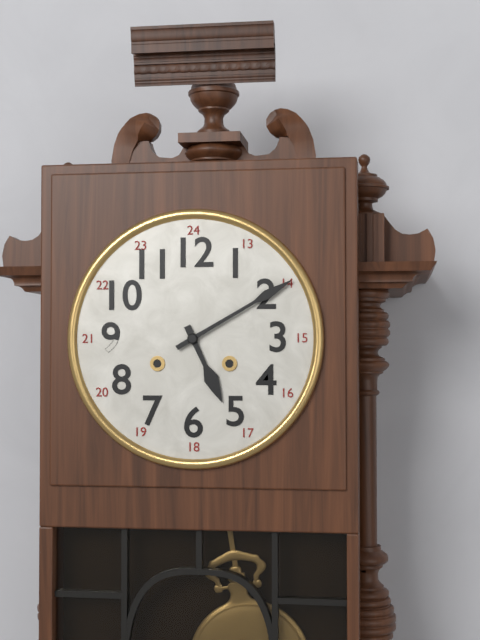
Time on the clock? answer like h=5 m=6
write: h=5 m=10
